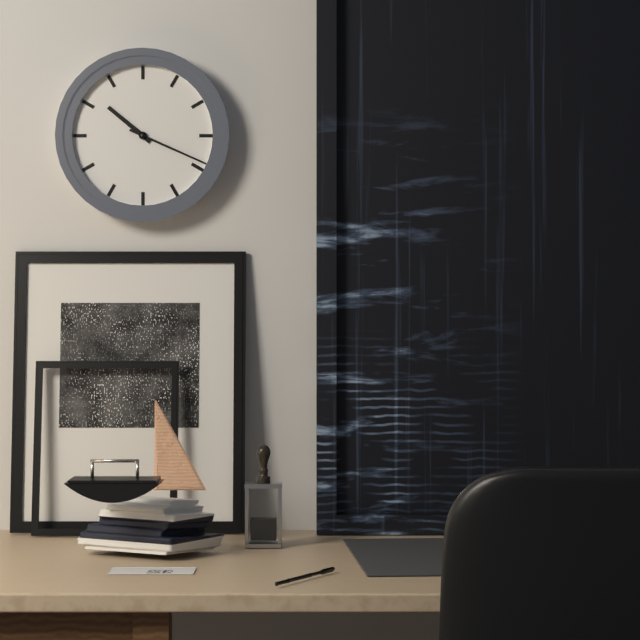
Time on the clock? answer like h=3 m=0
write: h=10 m=19
